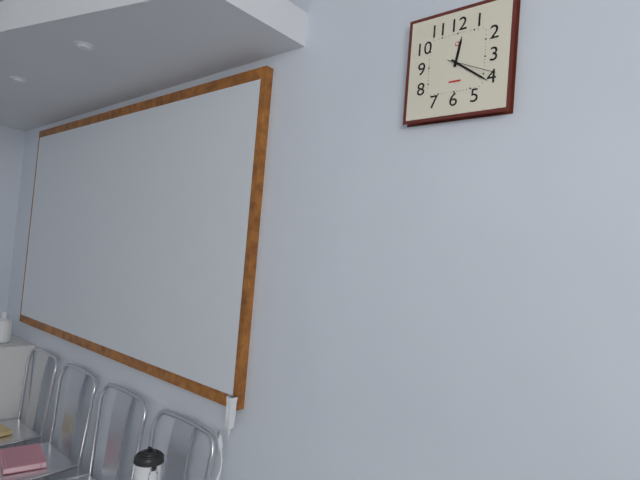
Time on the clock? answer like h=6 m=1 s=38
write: h=12 m=21 s=19
